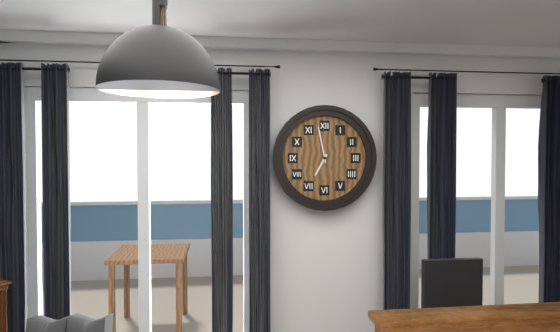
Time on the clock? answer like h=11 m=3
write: h=6 m=58
